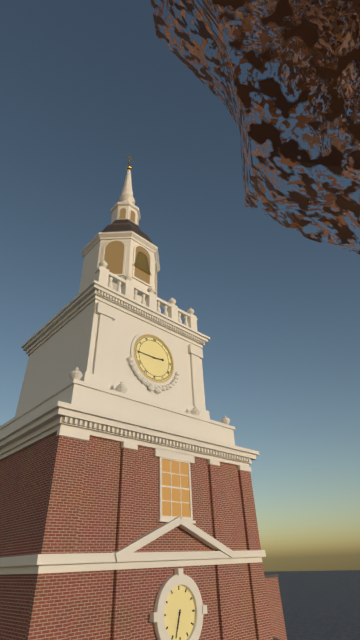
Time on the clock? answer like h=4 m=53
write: h=2 m=45
